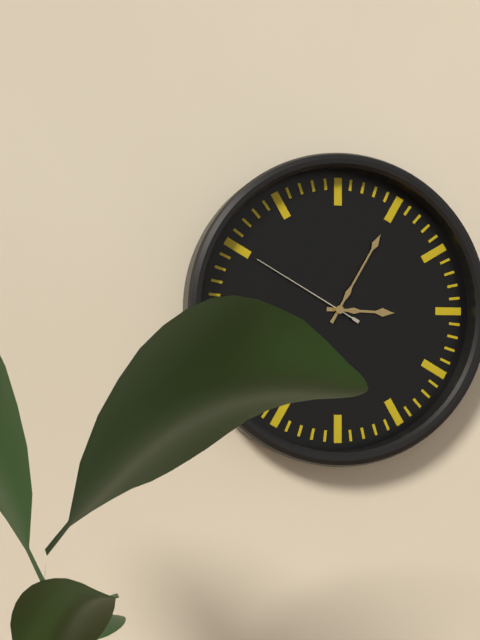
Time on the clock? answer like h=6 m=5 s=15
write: h=3 m=5 s=50
